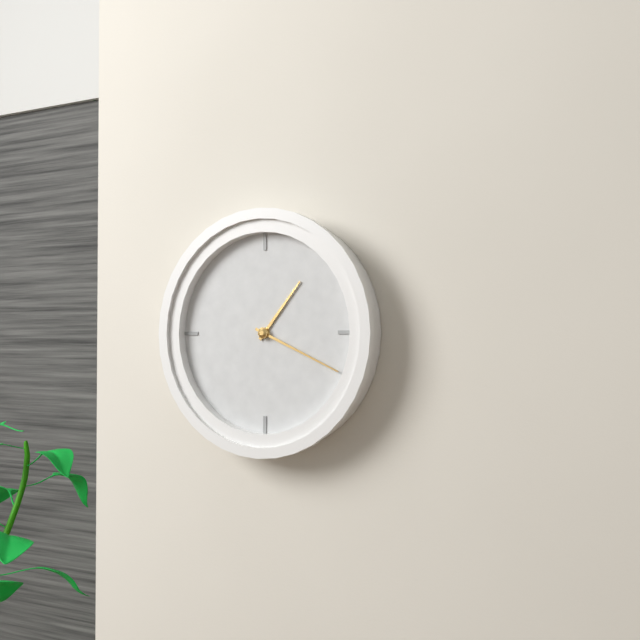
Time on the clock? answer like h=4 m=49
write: h=1 m=19
